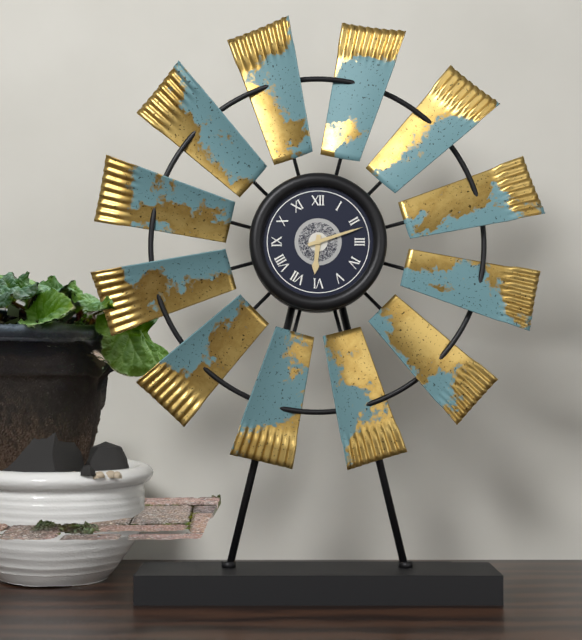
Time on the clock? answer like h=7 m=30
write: h=6 m=12
